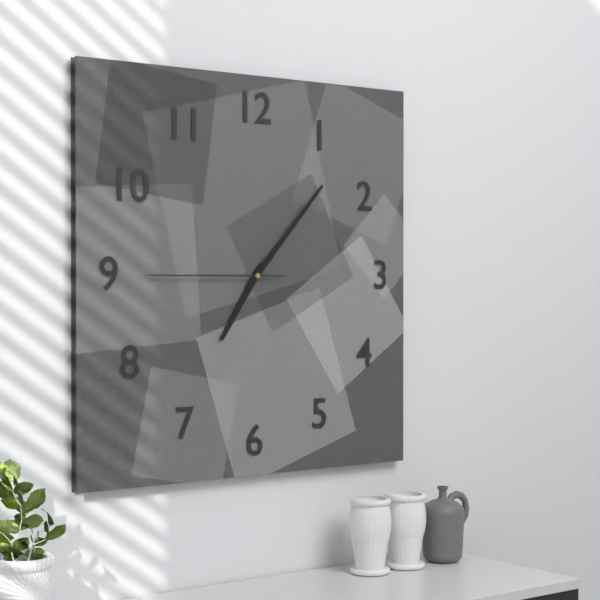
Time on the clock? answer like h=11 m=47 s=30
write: h=7 m=7 s=45
